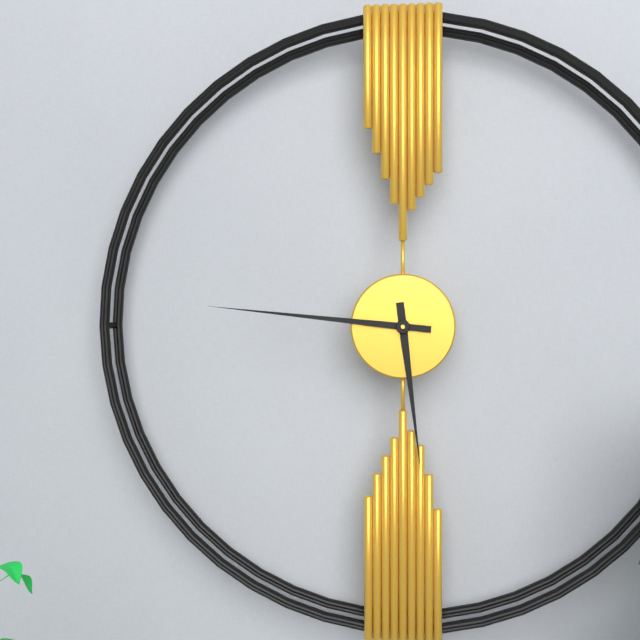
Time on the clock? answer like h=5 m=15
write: h=5 m=46
